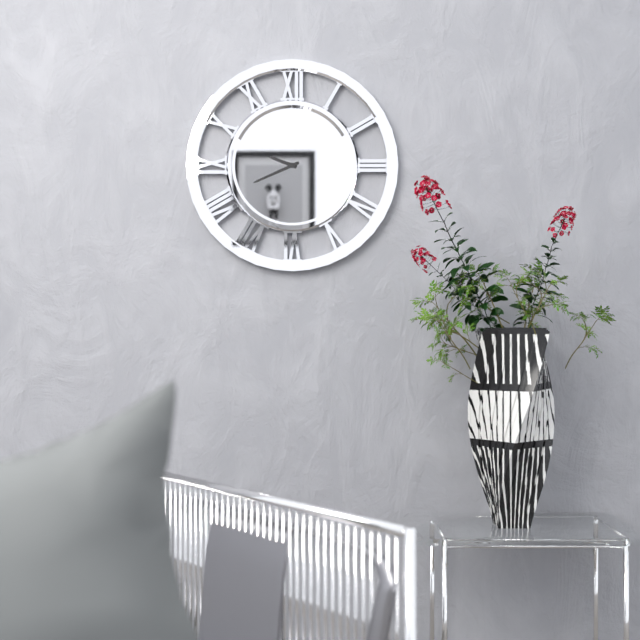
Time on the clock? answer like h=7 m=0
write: h=9 m=41
